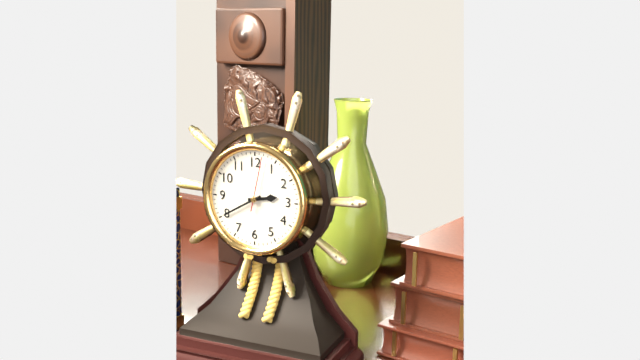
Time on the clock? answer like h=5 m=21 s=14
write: h=2 m=40 s=2
